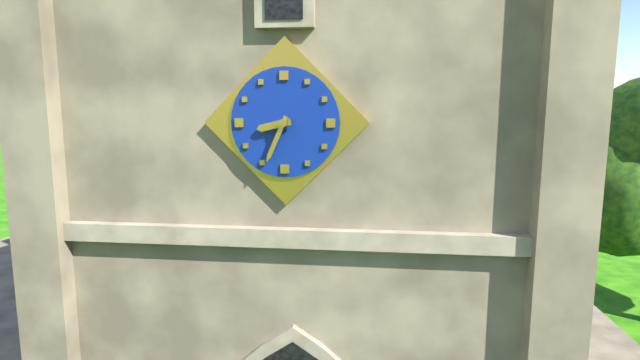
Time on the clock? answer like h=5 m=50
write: h=8 m=34
